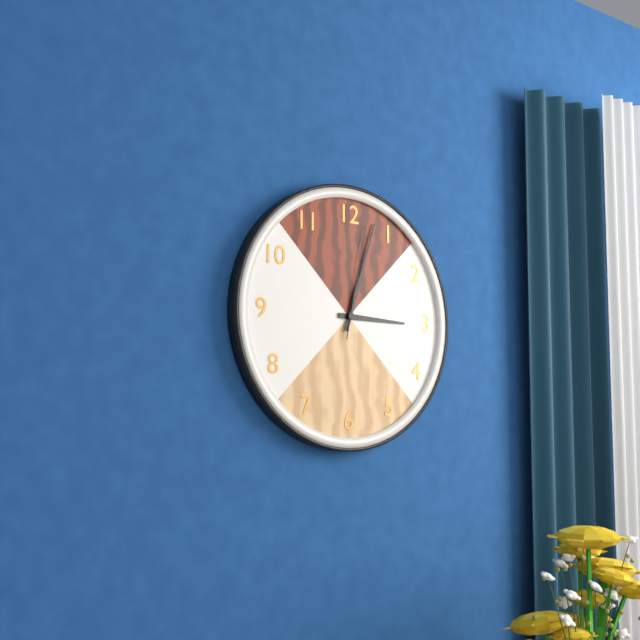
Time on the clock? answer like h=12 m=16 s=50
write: h=3 m=3 s=2
